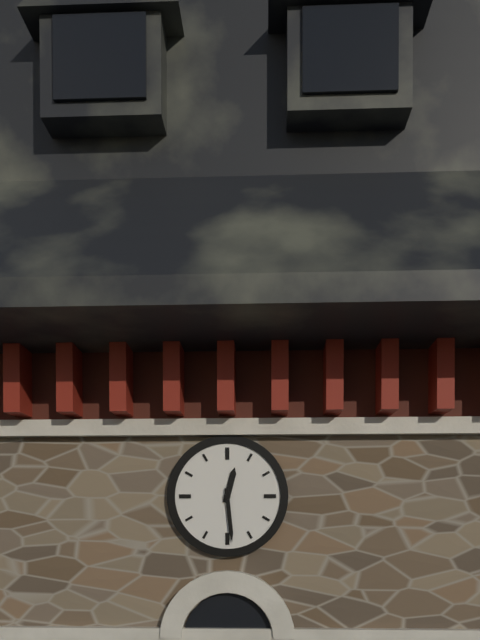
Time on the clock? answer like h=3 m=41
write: h=12 m=29
